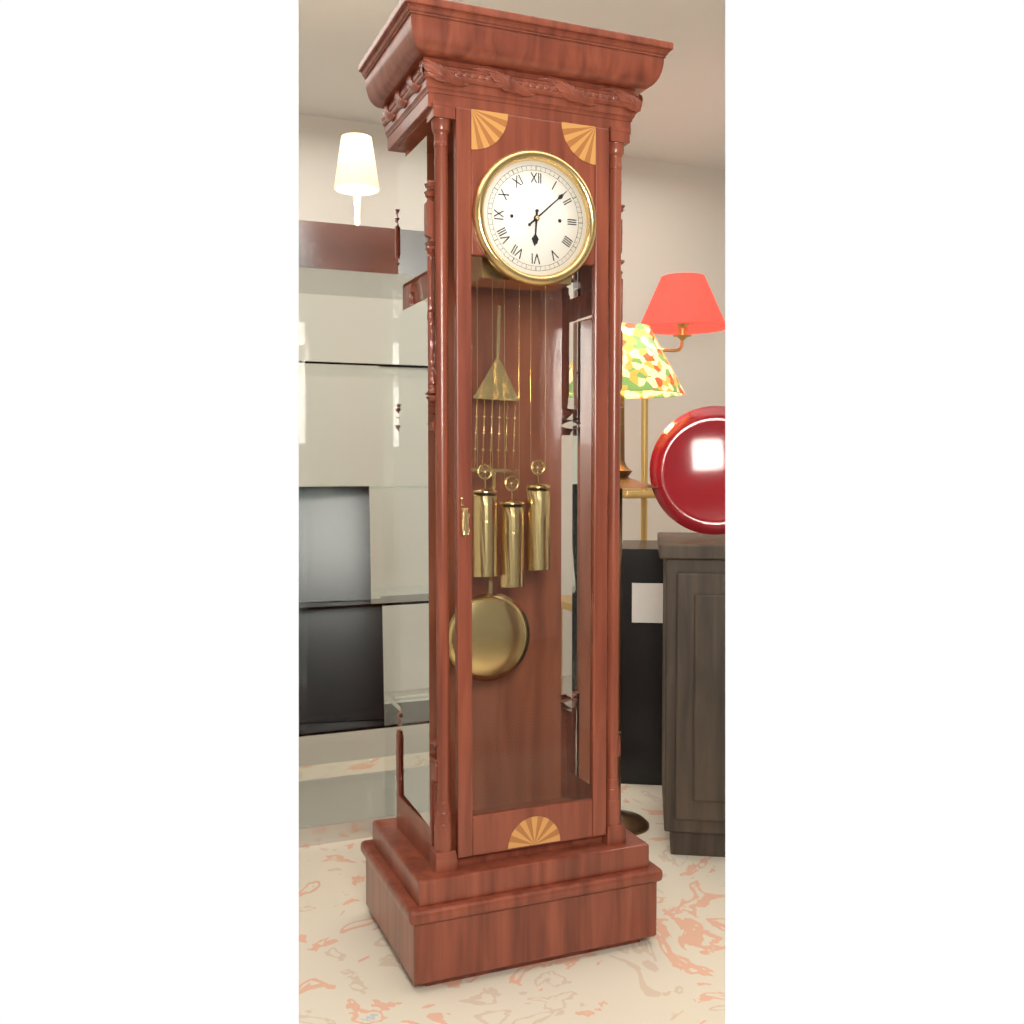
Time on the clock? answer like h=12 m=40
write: h=6 m=8
